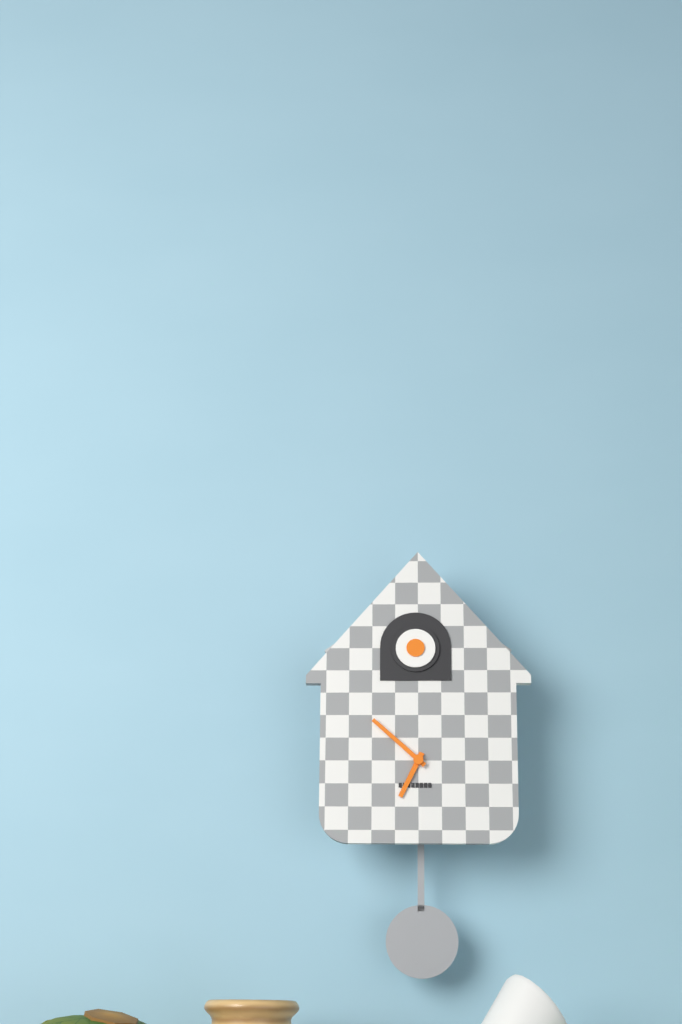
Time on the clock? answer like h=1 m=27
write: h=6 m=52
